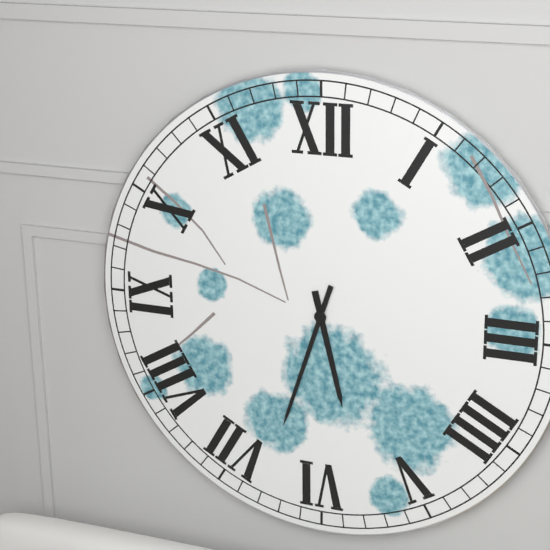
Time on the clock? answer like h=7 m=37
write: h=5 m=33
